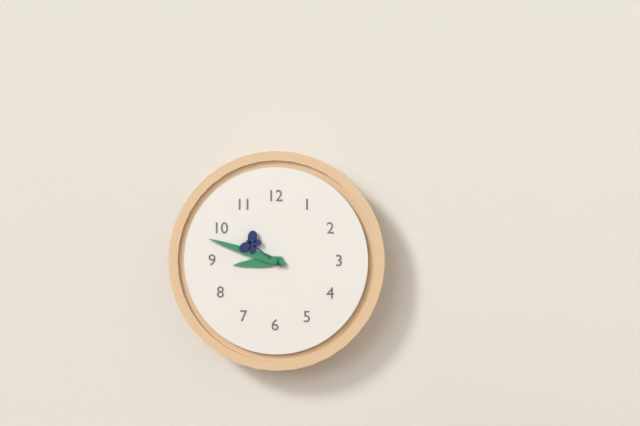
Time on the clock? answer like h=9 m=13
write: h=8 m=48
